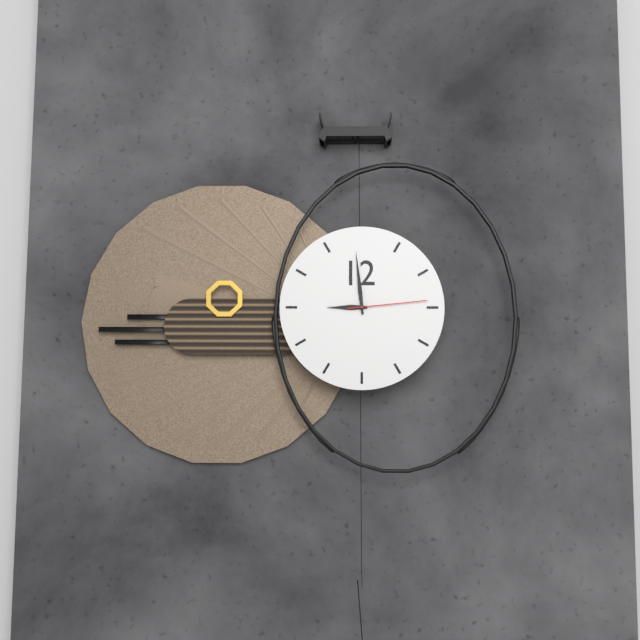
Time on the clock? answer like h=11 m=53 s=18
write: h=8 m=59 s=14
